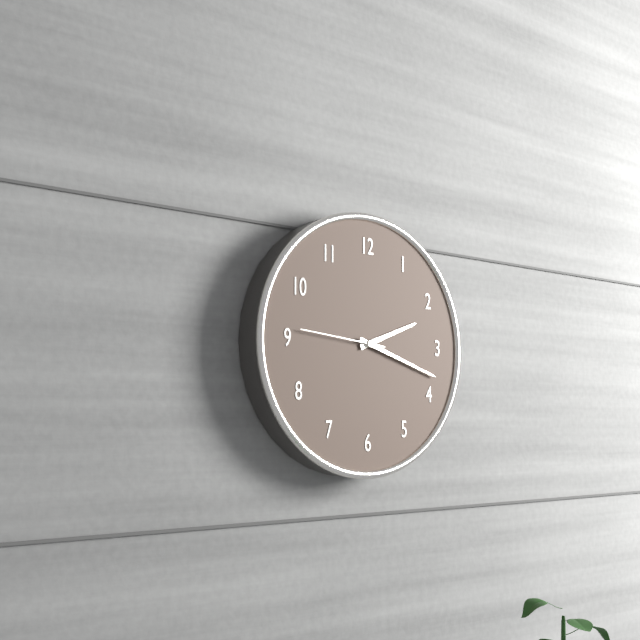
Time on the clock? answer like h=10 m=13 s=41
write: h=2 m=18 s=46
